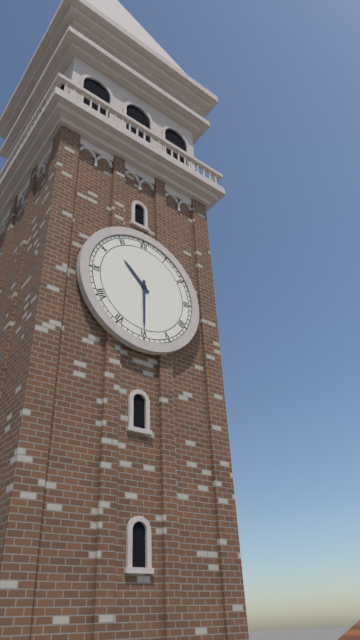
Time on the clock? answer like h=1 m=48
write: h=10 m=30
